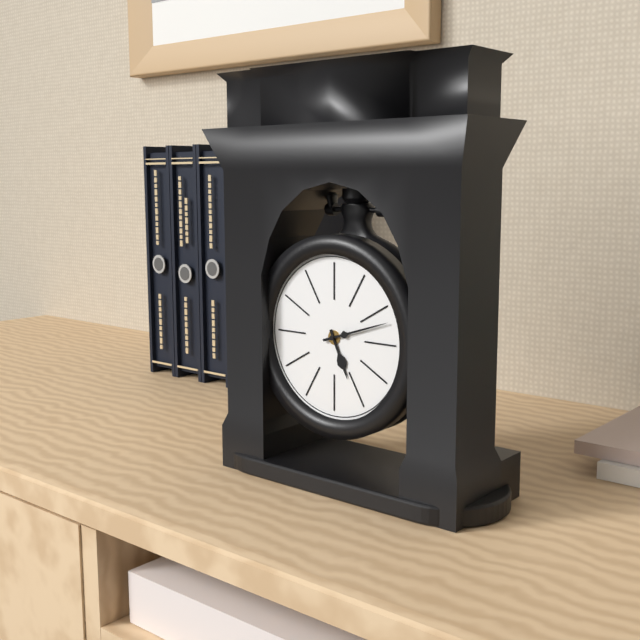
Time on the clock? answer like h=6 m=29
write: h=5 m=12
